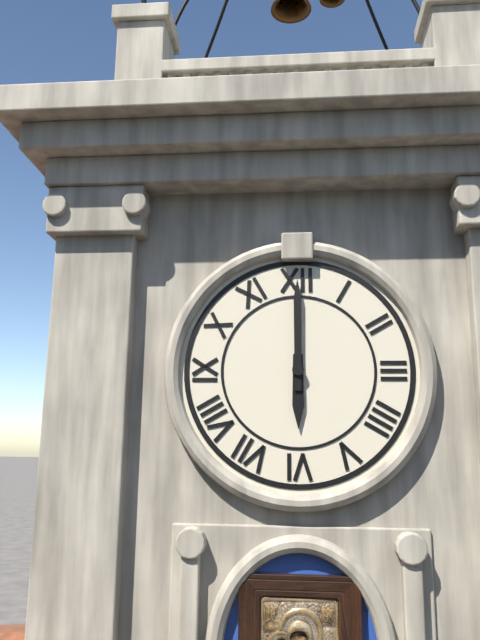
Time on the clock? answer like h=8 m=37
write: h=6 m=0
